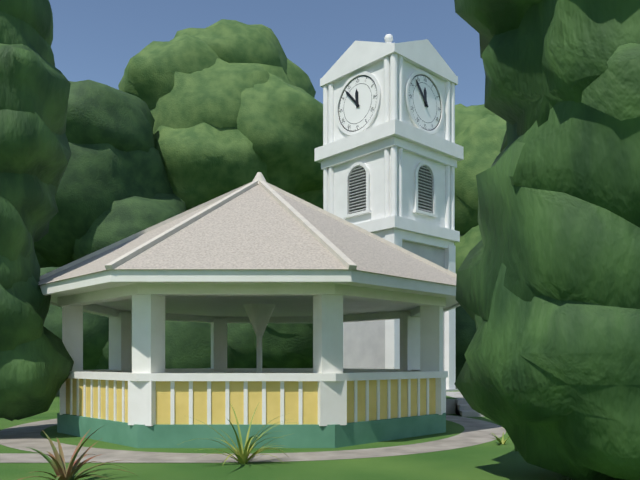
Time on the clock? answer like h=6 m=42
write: h=11 m=53
